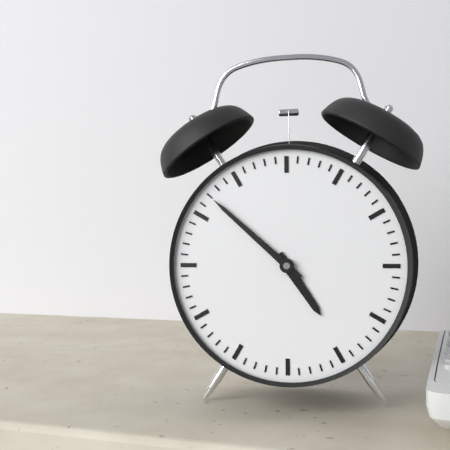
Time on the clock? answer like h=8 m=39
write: h=4 m=52
